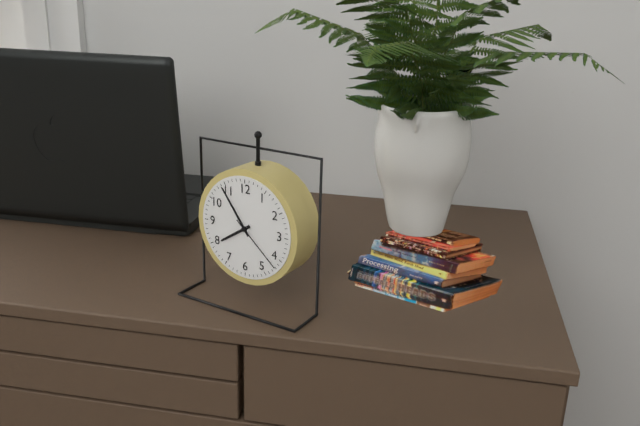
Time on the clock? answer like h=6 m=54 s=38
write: h=7 m=54 s=22
